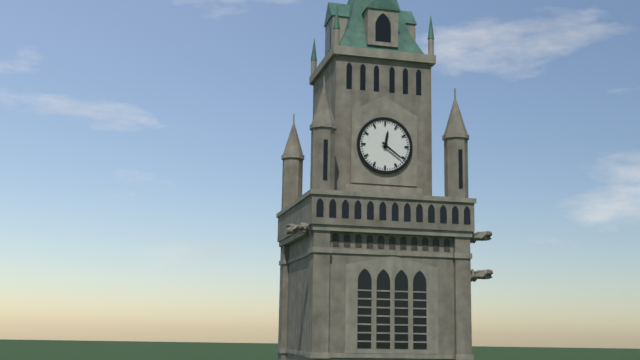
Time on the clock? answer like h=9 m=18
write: h=12 m=21
